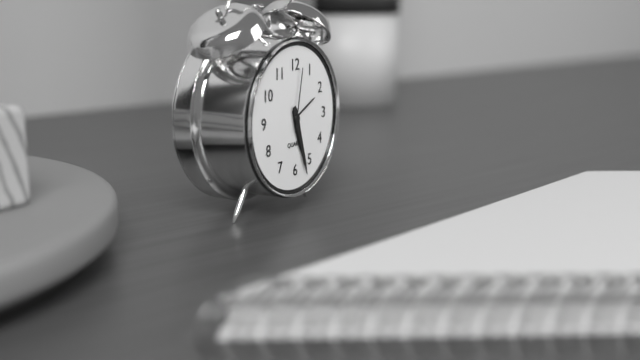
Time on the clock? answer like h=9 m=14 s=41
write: h=5 m=27 s=2
